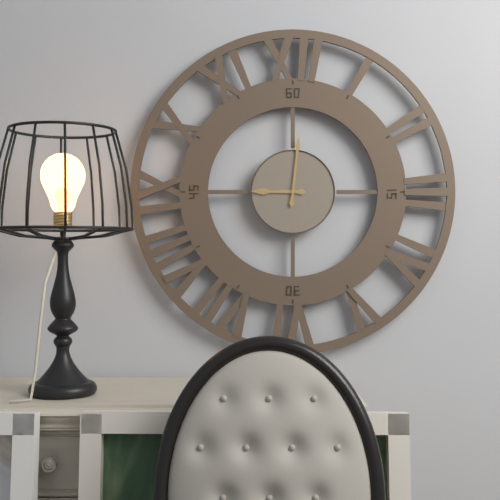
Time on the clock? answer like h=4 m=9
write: h=9 m=1
